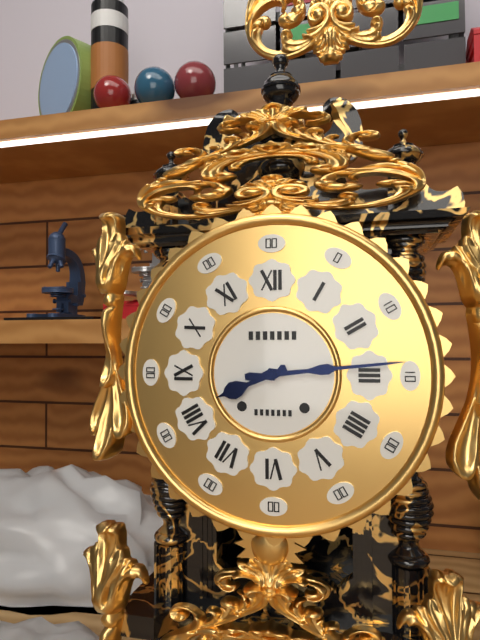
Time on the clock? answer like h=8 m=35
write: h=8 m=14
